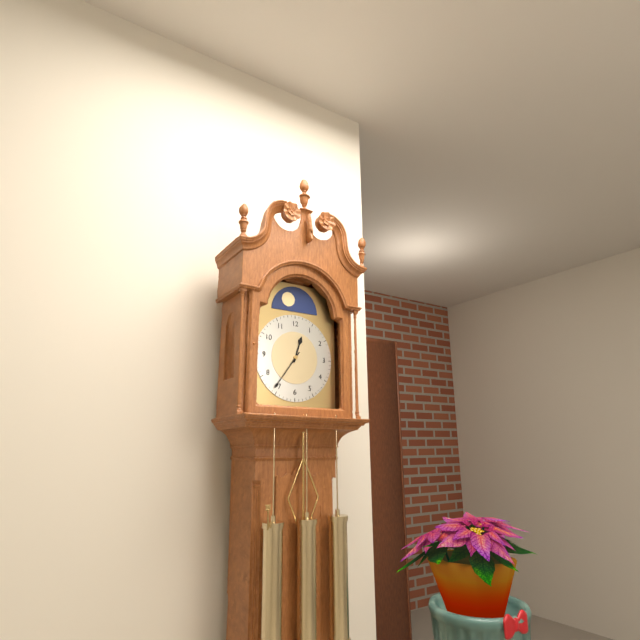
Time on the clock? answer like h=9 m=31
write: h=12 m=36
